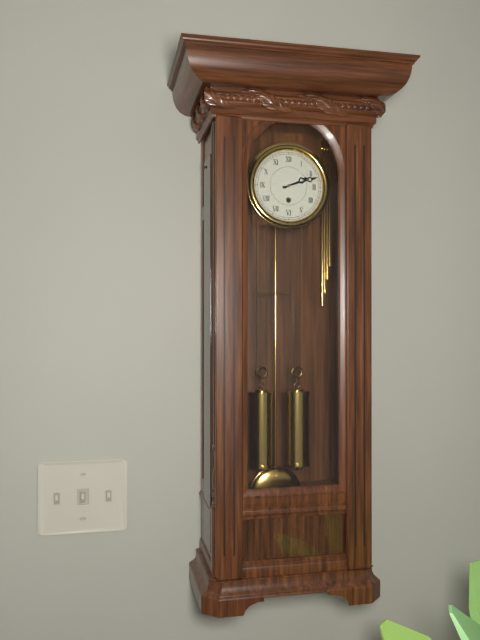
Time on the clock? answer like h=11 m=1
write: h=2 m=12
